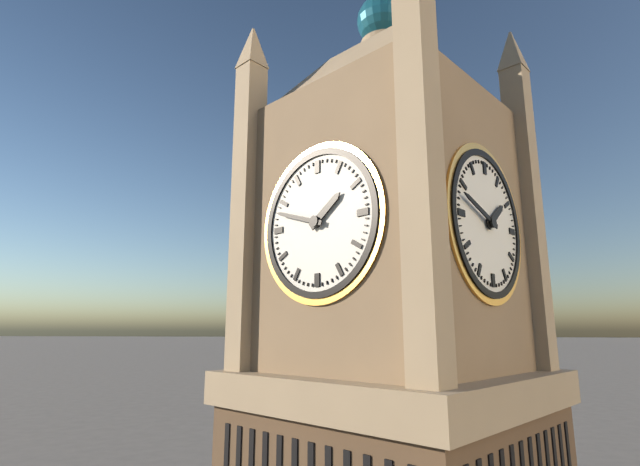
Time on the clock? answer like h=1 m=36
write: h=1 m=48
